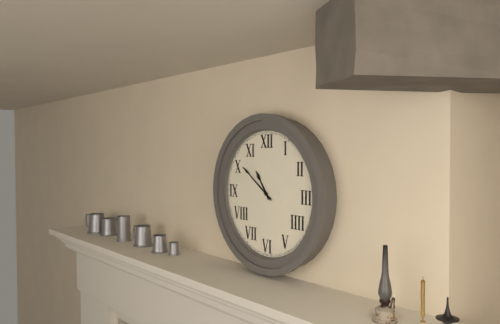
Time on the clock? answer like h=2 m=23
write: h=10 m=51
